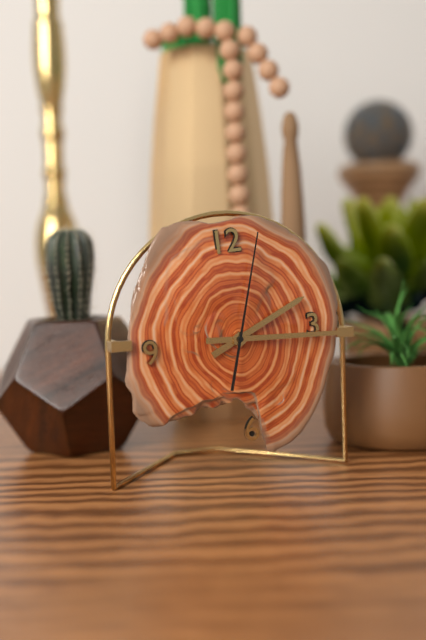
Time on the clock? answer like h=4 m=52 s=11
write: h=2 m=16 s=3
